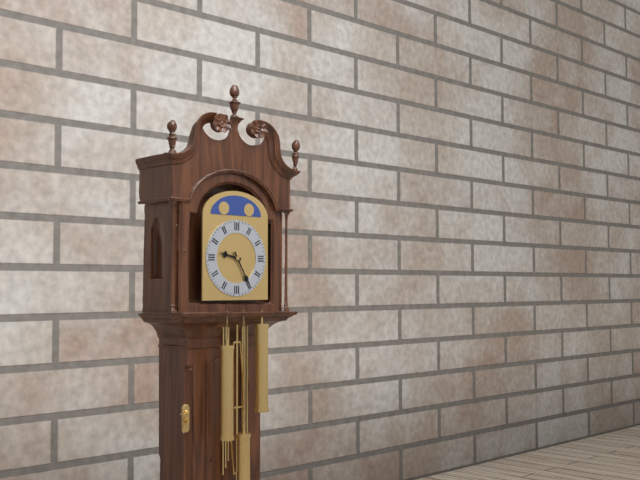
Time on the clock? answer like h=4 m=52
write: h=9 m=25
